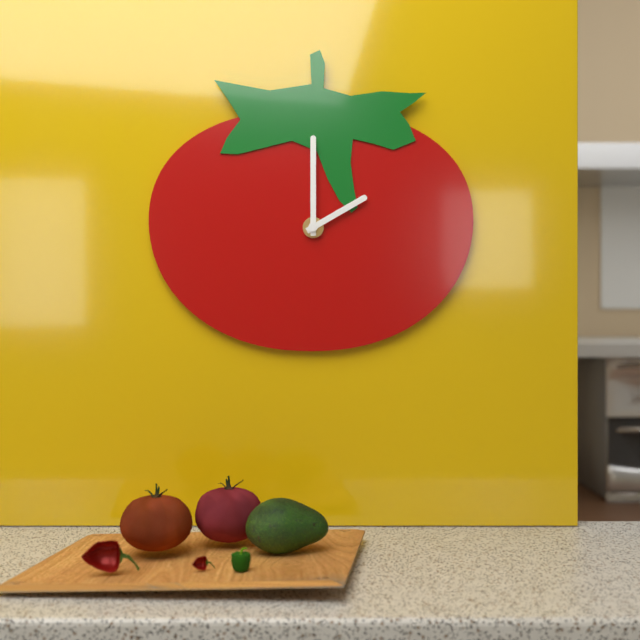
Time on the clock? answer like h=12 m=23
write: h=2 m=0
